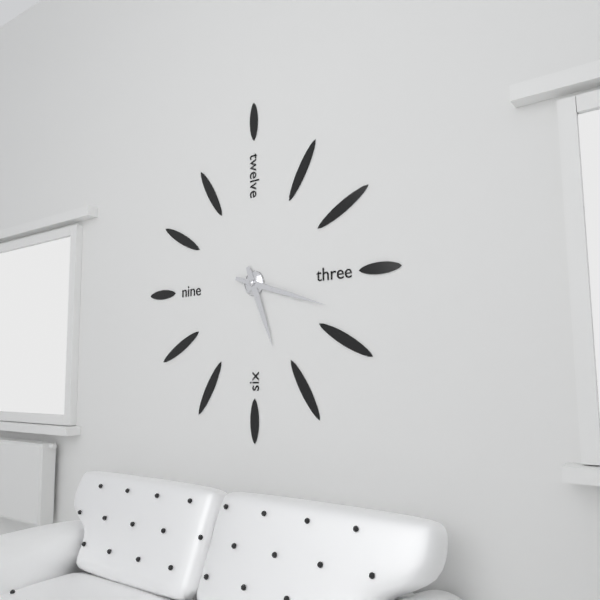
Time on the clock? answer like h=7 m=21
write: h=5 m=18
